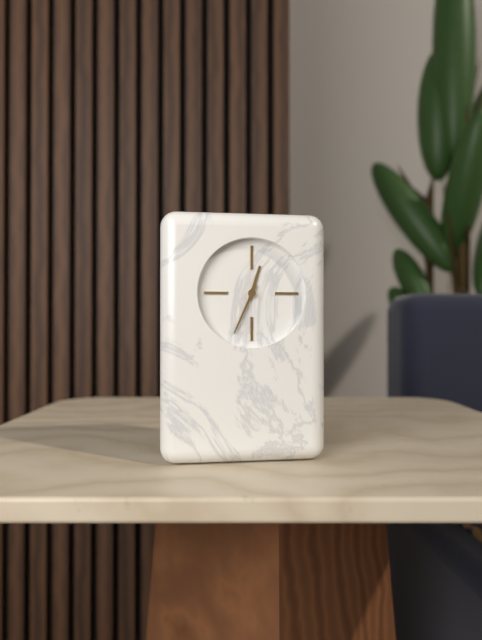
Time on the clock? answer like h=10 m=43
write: h=12 m=34
